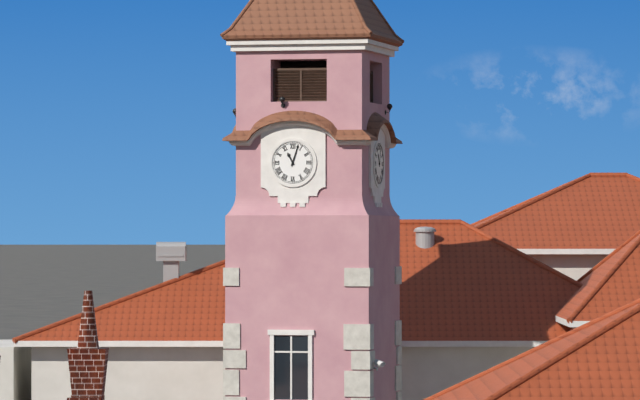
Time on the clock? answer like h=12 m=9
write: h=11 m=3
